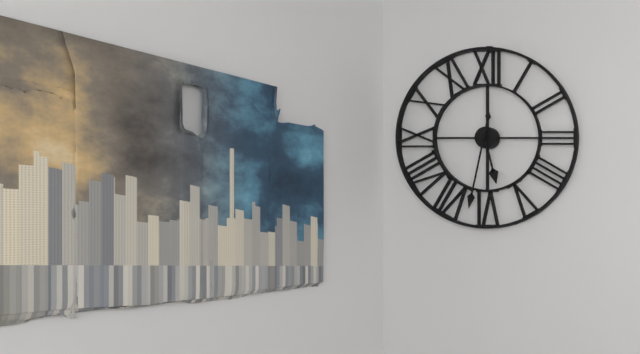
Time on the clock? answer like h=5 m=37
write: h=5 m=32
